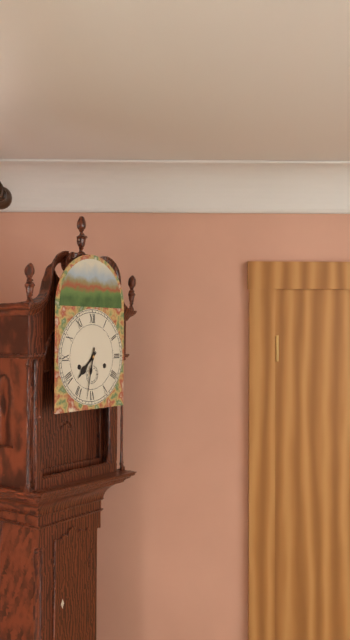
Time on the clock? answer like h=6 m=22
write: h=7 m=32
